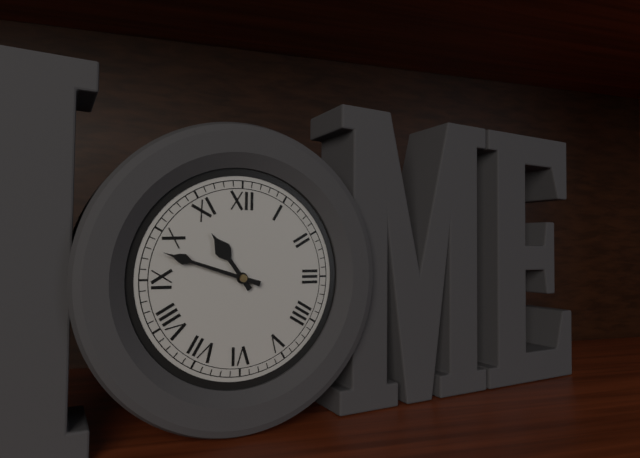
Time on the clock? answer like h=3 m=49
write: h=10 m=48
